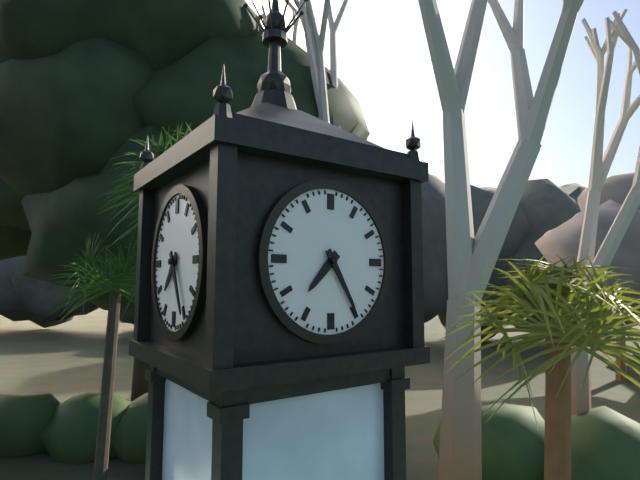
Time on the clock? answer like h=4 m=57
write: h=7 m=25
